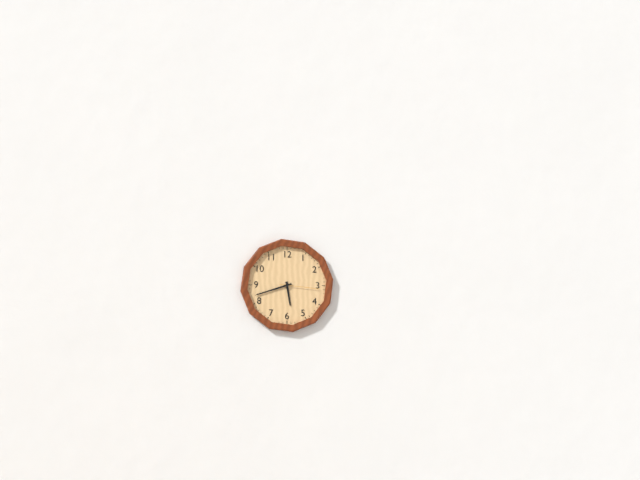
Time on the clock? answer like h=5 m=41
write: h=5 m=42
